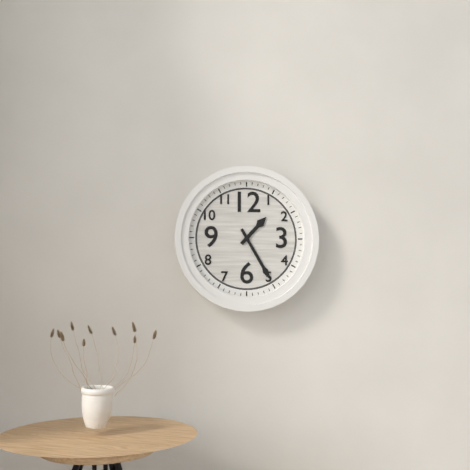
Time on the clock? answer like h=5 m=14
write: h=1 m=25
